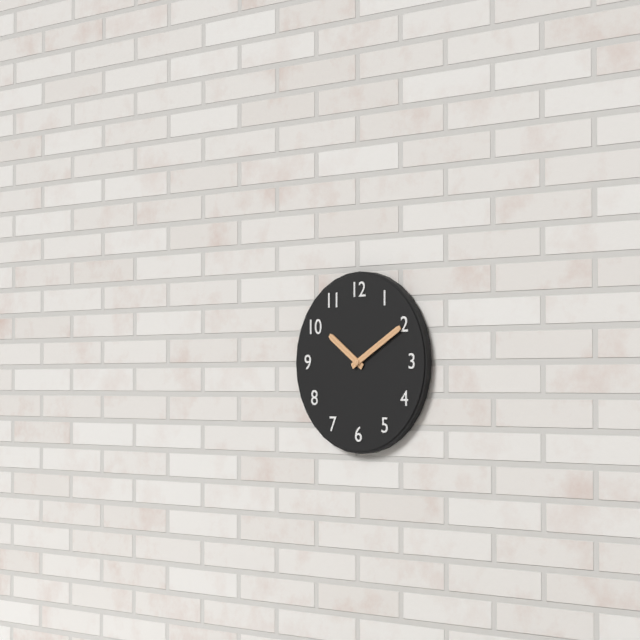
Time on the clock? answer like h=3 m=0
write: h=10 m=10
